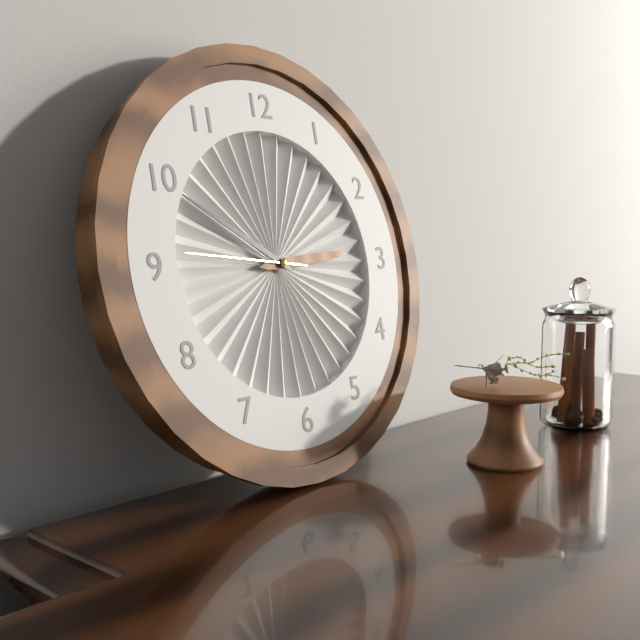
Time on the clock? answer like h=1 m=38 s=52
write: h=2 m=50 s=46
